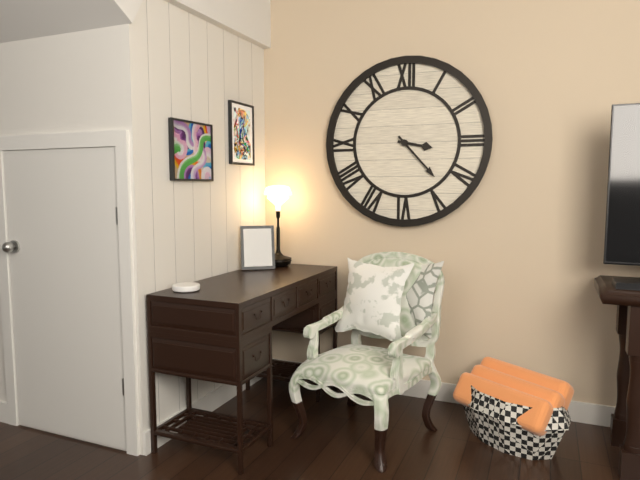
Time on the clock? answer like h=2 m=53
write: h=3 m=23
